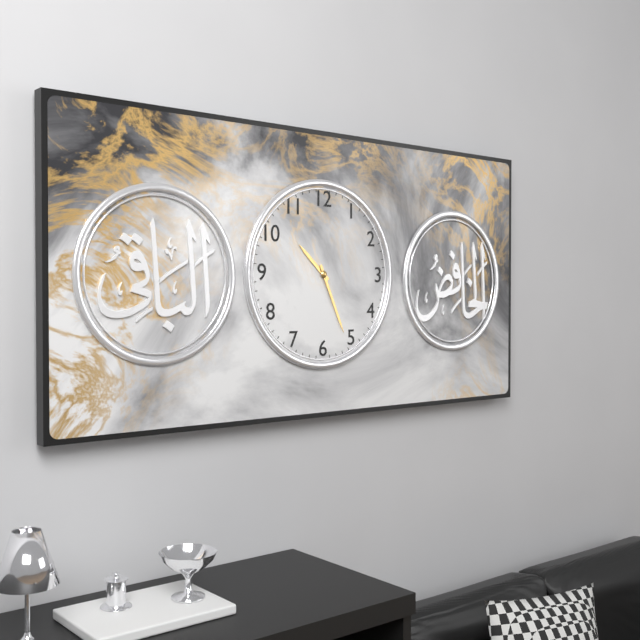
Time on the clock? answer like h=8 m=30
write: h=10 m=26
